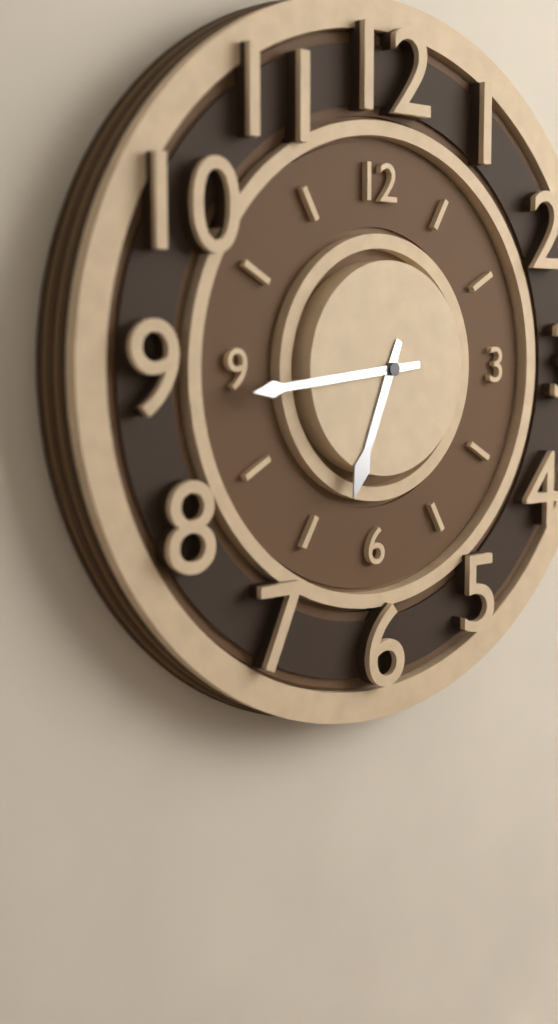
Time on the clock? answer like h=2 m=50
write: h=6 m=44
